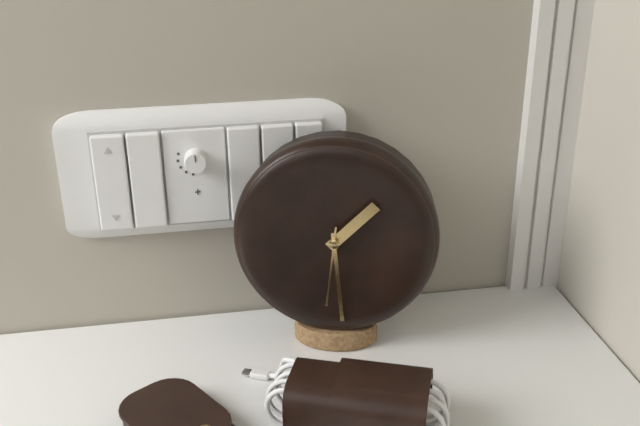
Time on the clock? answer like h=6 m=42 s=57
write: h=1 m=29 s=31
